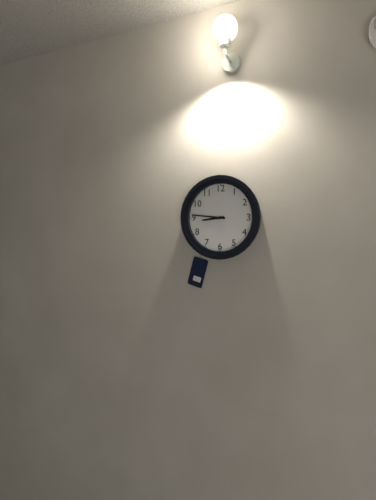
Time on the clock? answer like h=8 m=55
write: h=8 m=46
